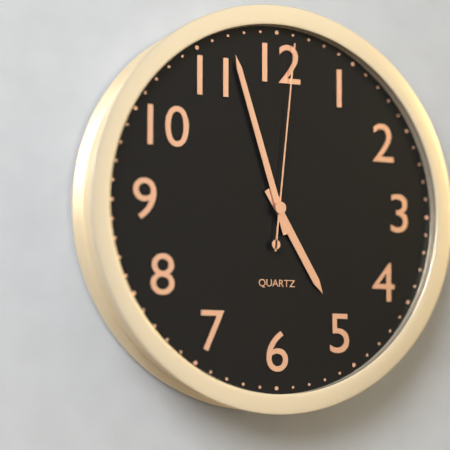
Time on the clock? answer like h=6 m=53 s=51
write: h=4 m=57 s=1
